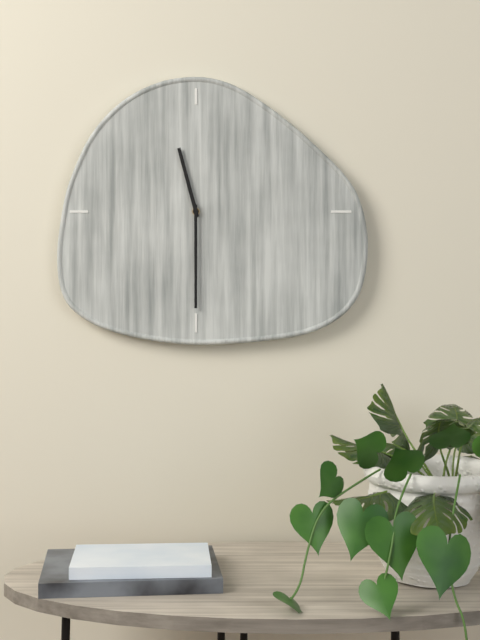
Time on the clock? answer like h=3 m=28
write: h=11 m=30
